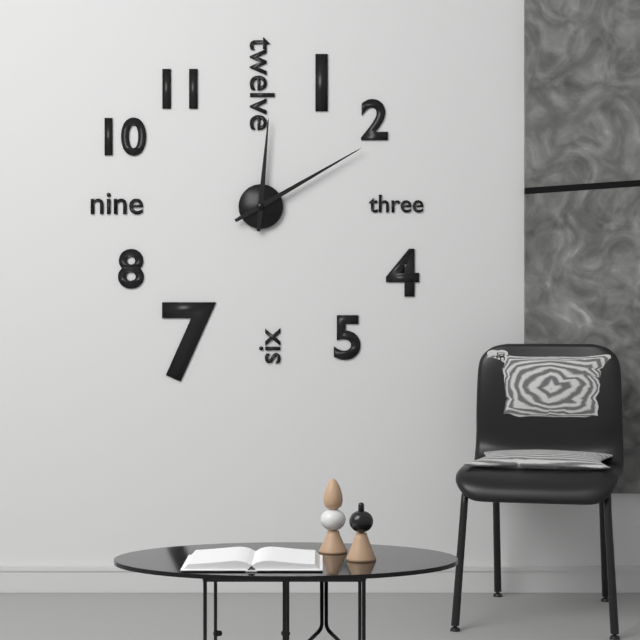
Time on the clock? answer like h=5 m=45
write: h=12 m=10
